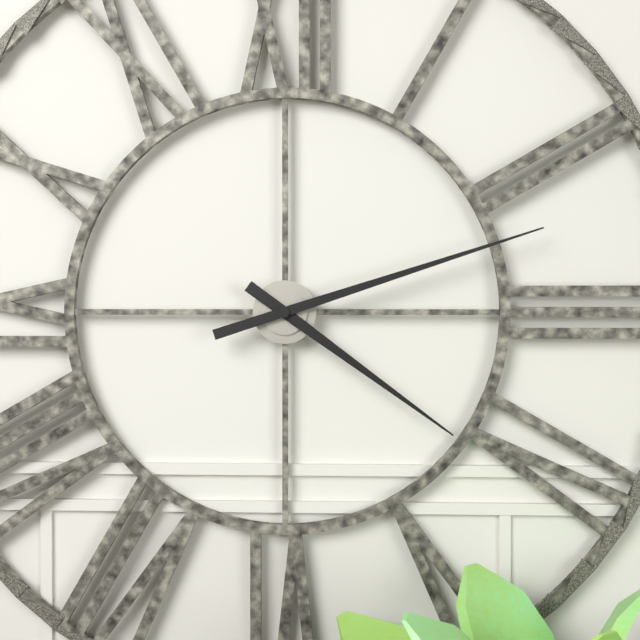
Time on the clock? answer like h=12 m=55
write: h=4 m=12
